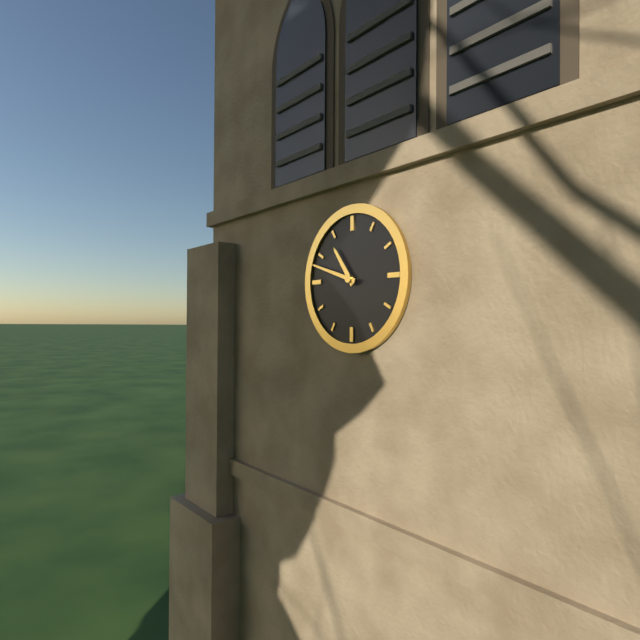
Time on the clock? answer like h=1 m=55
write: h=10 m=48
